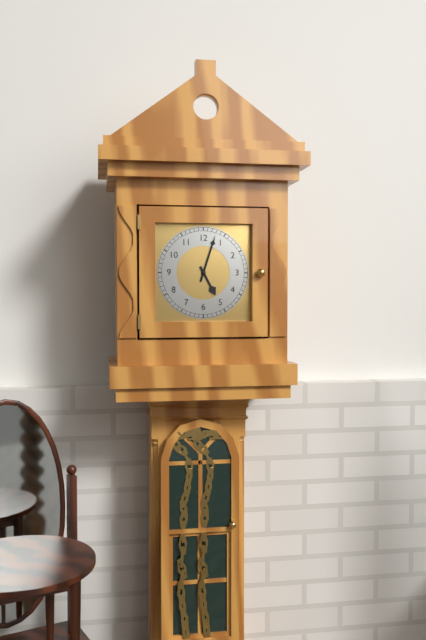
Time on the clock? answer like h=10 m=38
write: h=5 m=3
